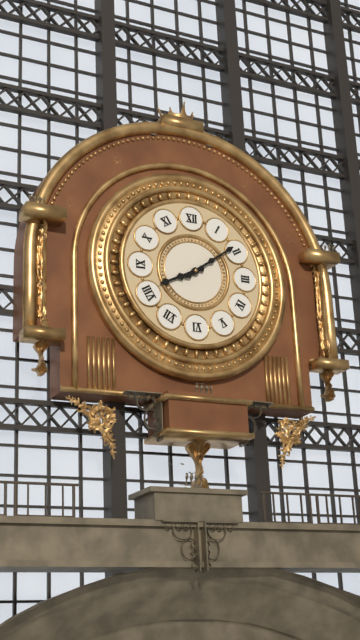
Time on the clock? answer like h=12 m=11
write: h=8 m=9
